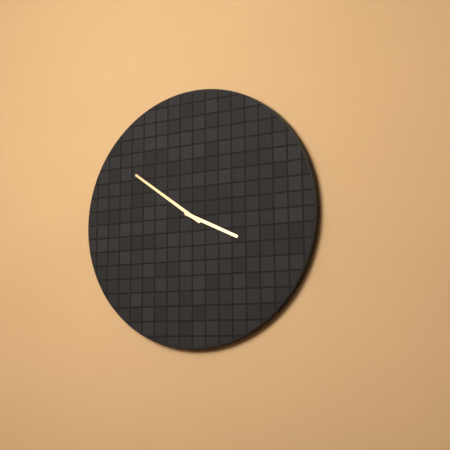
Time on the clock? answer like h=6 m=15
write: h=3 m=51
